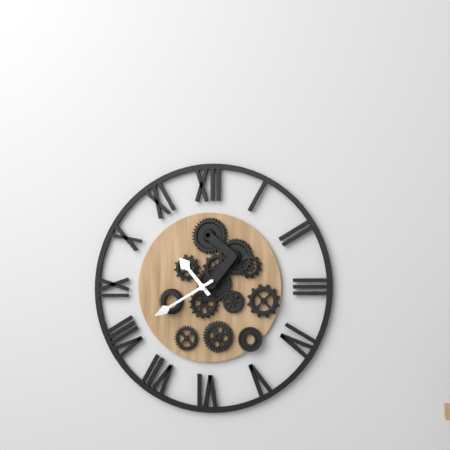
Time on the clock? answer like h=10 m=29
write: h=10 m=40
